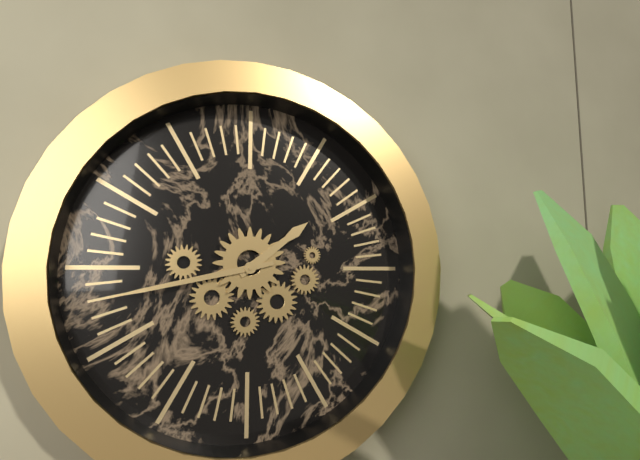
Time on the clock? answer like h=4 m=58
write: h=1 m=43
